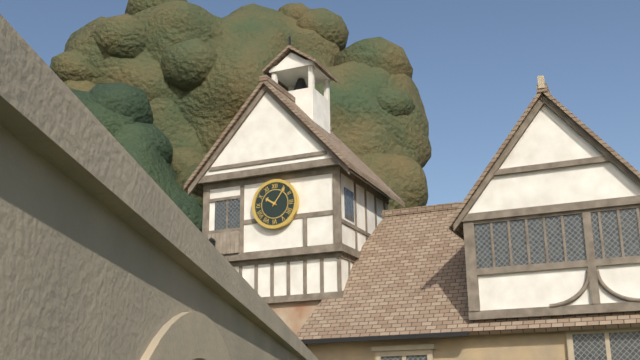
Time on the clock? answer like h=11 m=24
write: h=10 m=6
